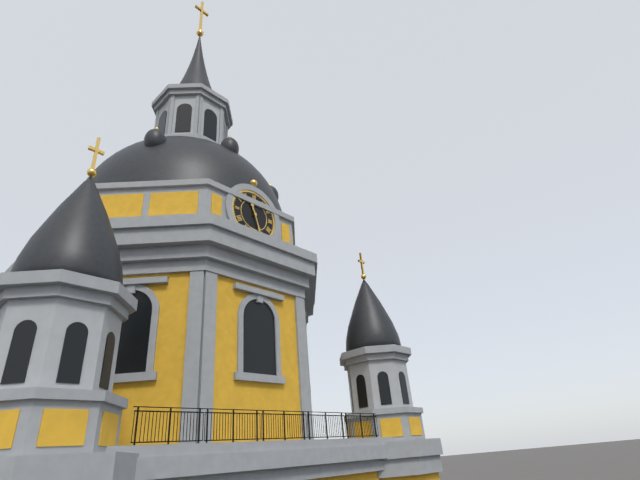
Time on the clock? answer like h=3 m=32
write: h=11 m=27
